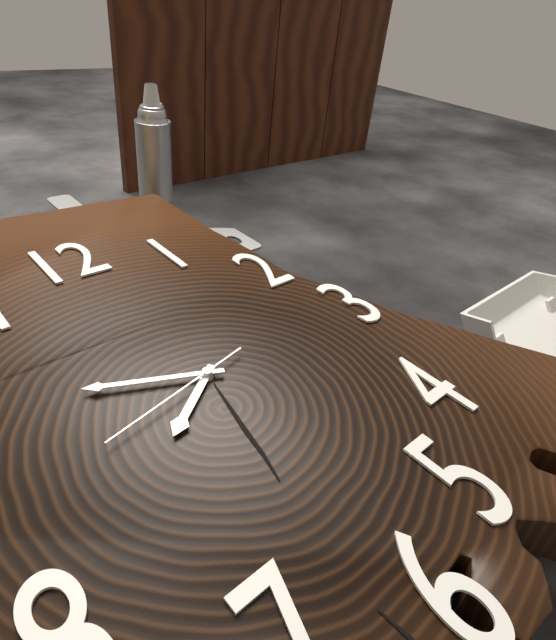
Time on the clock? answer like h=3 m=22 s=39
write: h=7 m=49 s=43
